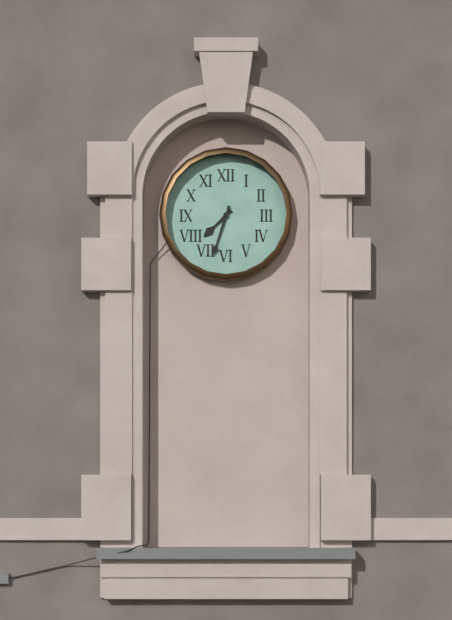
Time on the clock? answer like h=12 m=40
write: h=7 m=33
